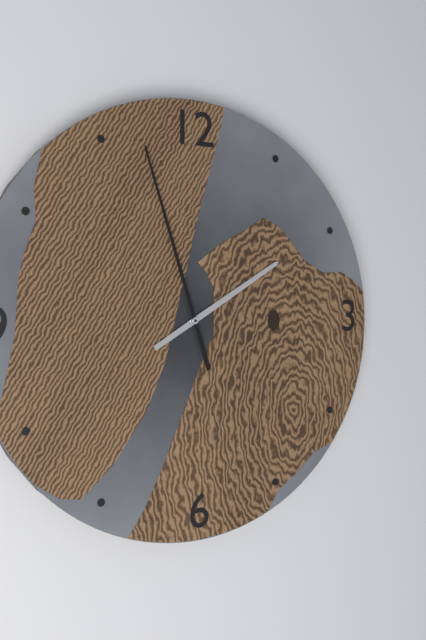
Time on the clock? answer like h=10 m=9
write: h=1 m=57
